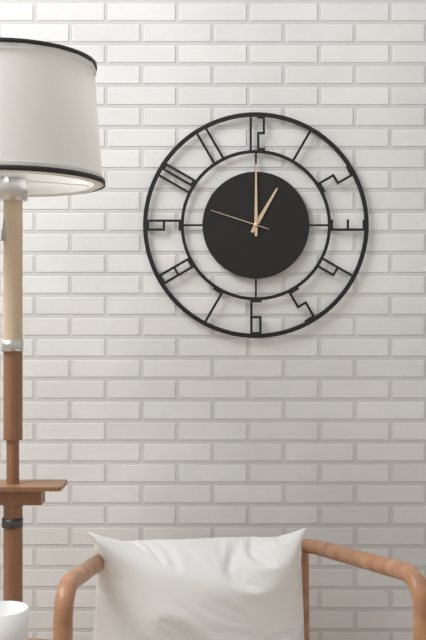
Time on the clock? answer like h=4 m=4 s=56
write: h=1 m=0 s=48
